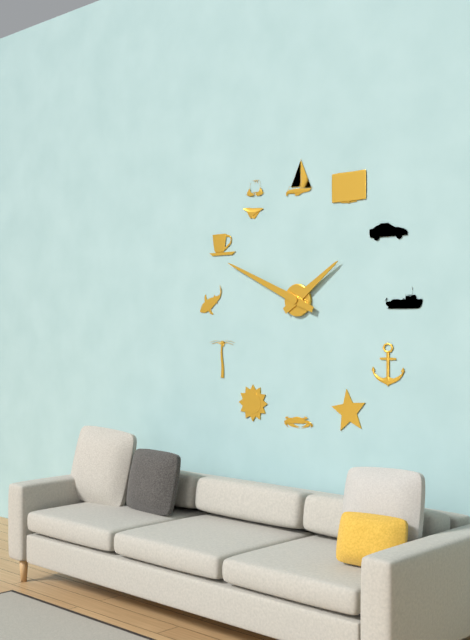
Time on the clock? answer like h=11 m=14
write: h=1 m=49
